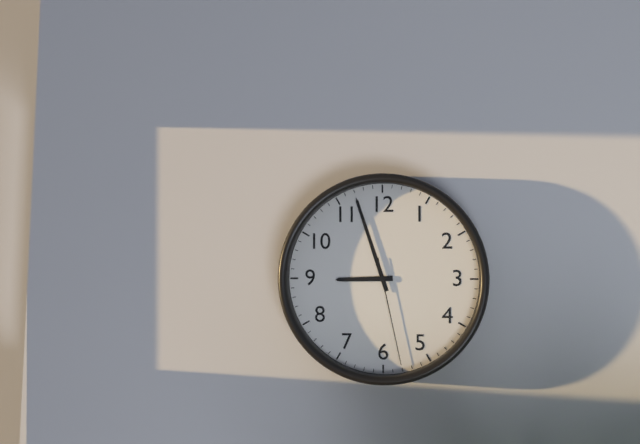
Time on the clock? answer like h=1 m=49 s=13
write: h=8 m=57 s=28
